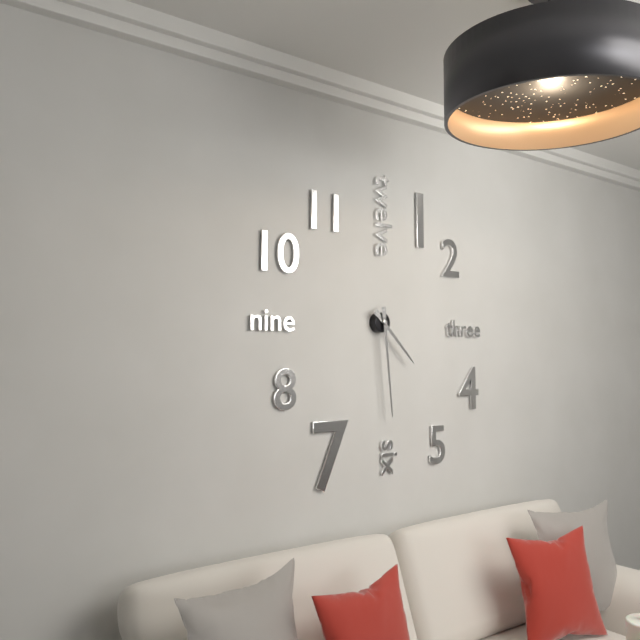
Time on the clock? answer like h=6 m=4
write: h=4 m=29
